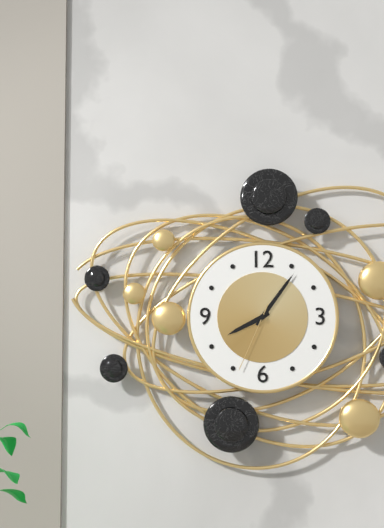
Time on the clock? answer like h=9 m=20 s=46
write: h=8 m=6 s=34
